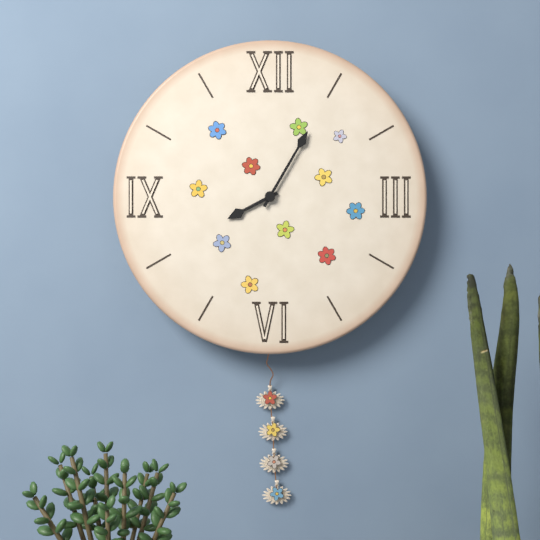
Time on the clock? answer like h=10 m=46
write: h=8 m=5
